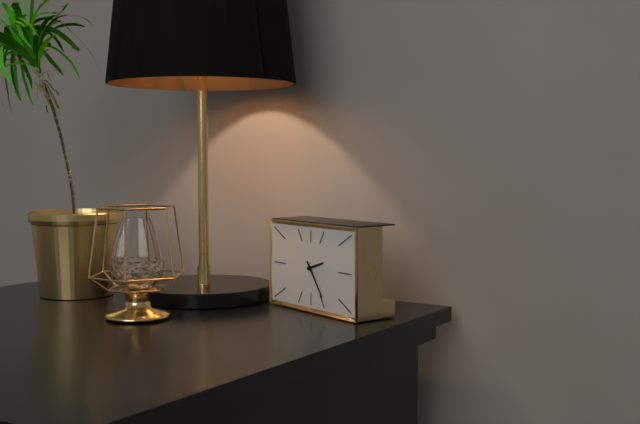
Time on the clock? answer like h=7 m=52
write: h=2 m=24
